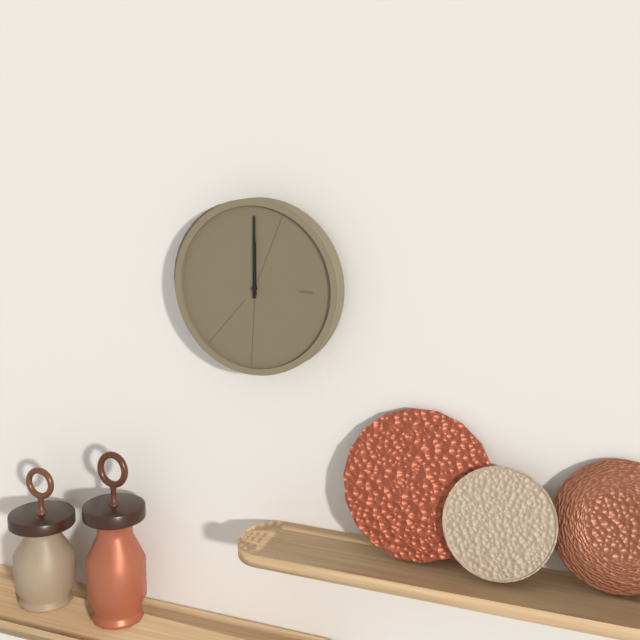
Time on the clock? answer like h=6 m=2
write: h=12 m=0
